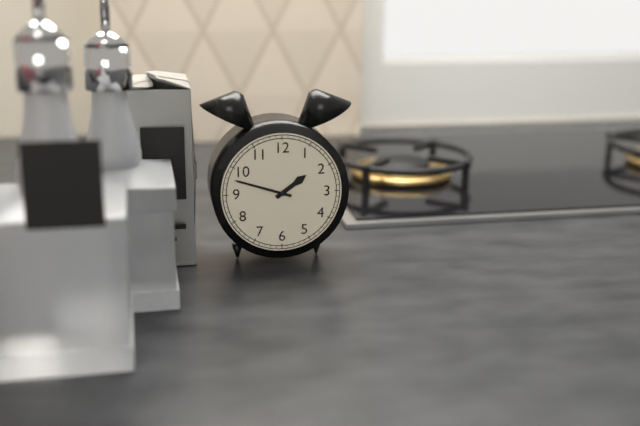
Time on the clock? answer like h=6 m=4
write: h=1 m=48
